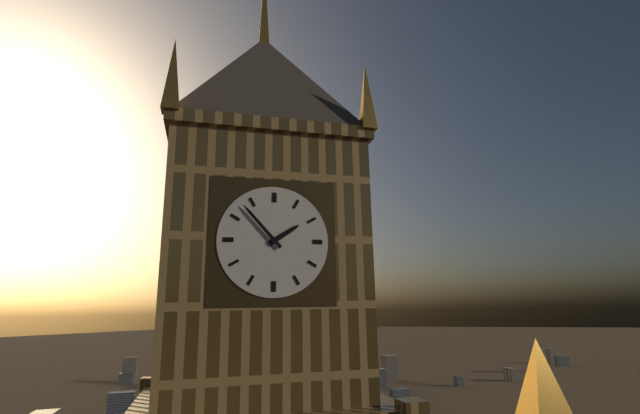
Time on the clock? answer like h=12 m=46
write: h=1 m=53
